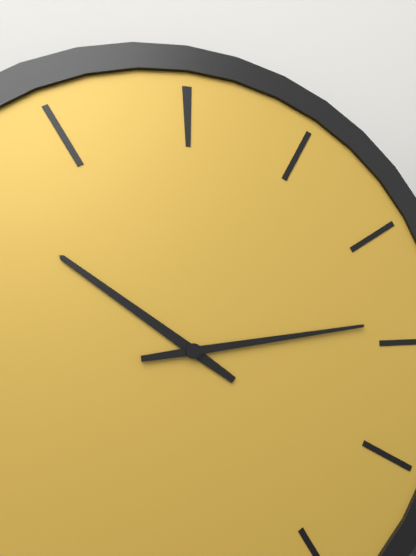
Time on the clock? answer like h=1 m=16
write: h=10 m=14
